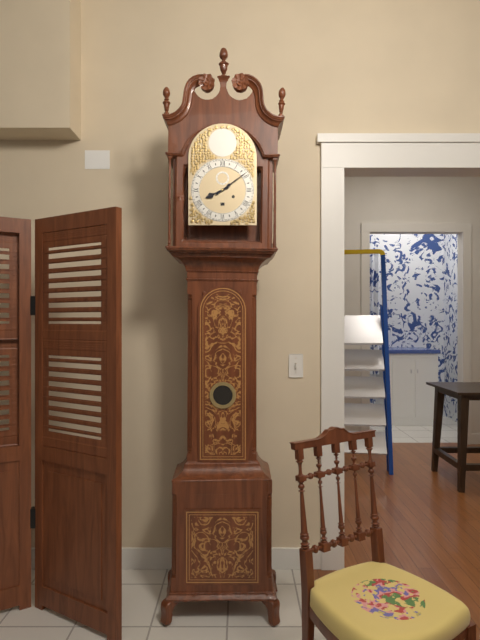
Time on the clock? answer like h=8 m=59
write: h=8 m=9
